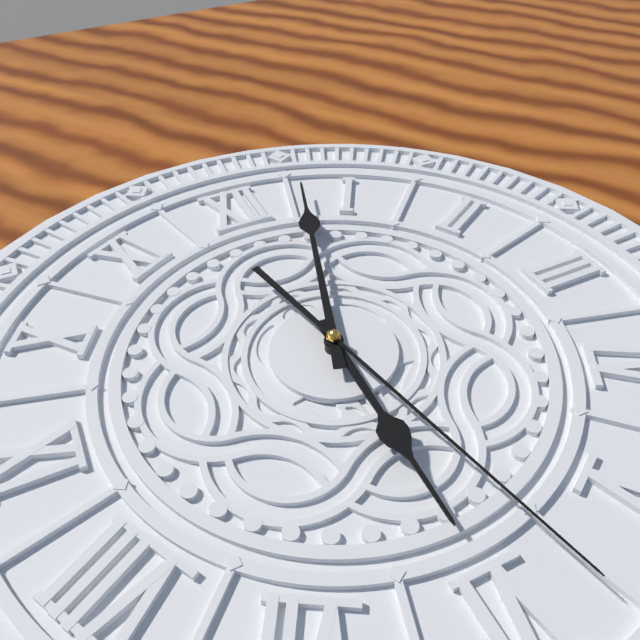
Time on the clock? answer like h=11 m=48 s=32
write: h=6 m=3 s=28
